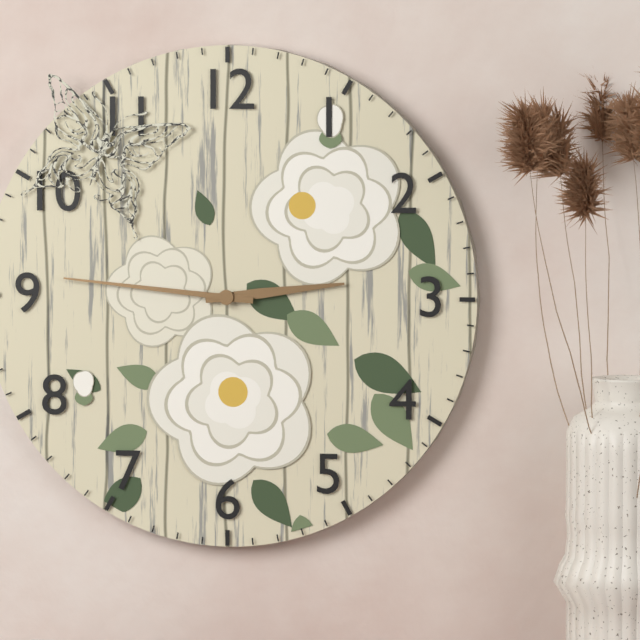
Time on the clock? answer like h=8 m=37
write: h=2 m=46
